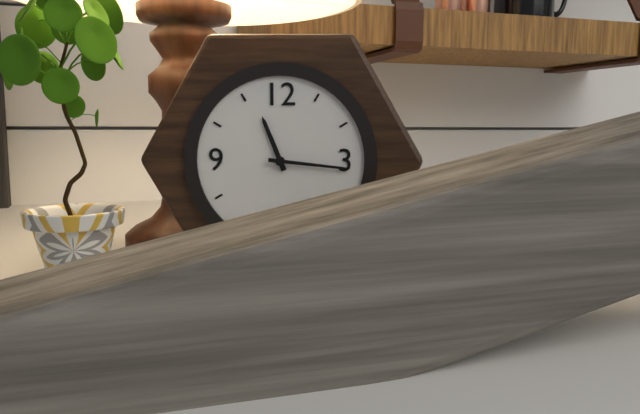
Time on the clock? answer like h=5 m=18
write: h=11 m=16
